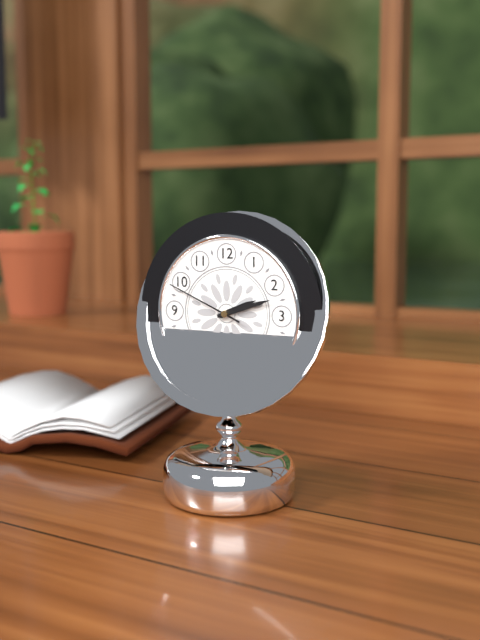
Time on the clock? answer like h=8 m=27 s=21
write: h=2 m=12 s=49
